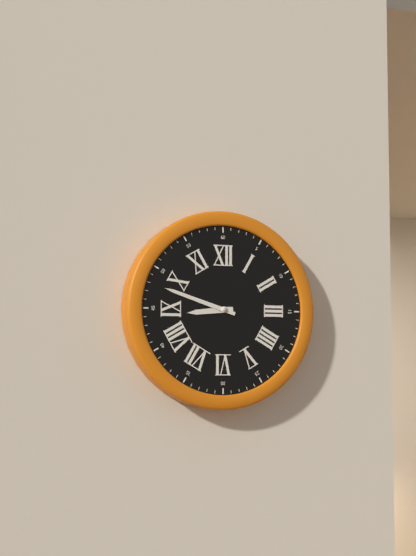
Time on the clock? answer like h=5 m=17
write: h=8 m=48
